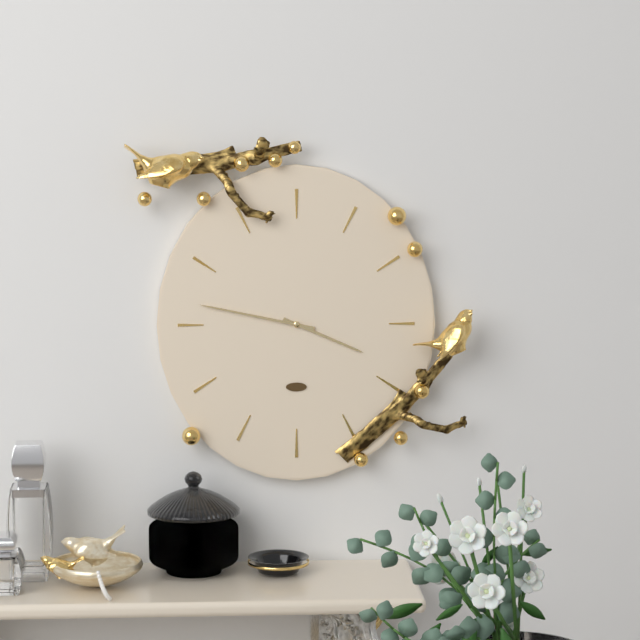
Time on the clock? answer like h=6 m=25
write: h=3 m=47
